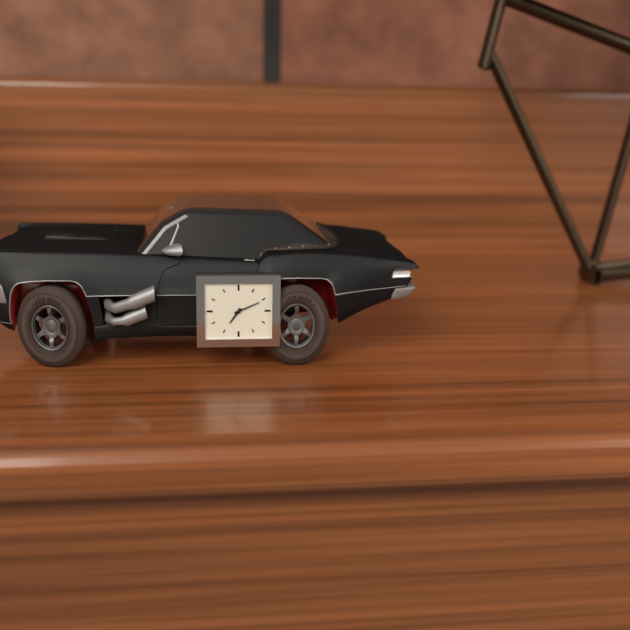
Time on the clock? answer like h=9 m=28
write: h=7 m=11
